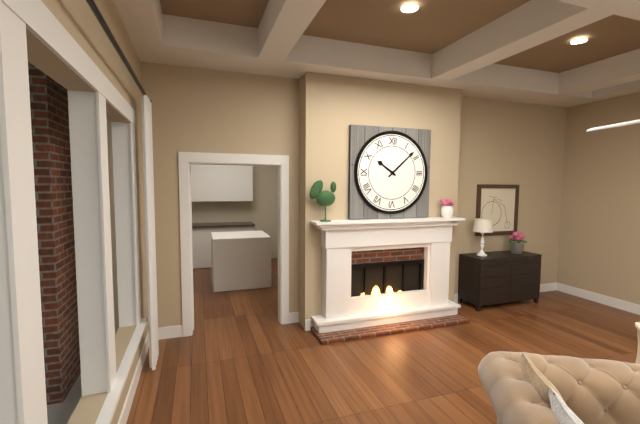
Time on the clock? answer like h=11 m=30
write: h=10 m=8
